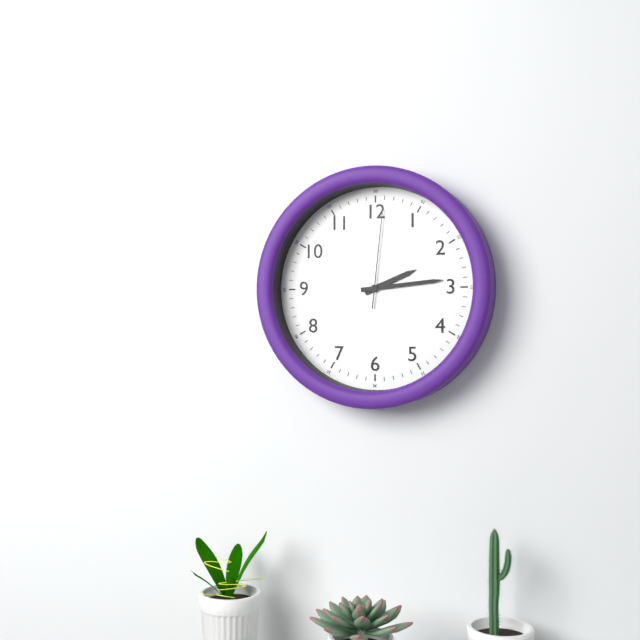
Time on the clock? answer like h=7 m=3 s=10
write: h=2 m=14 s=1
